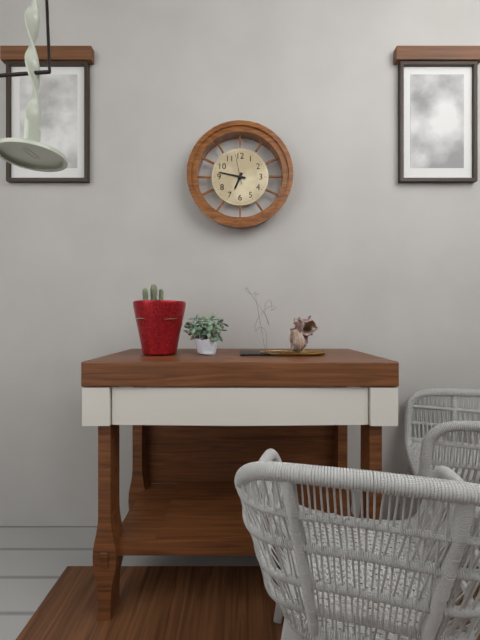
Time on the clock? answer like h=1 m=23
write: h=6 m=47
